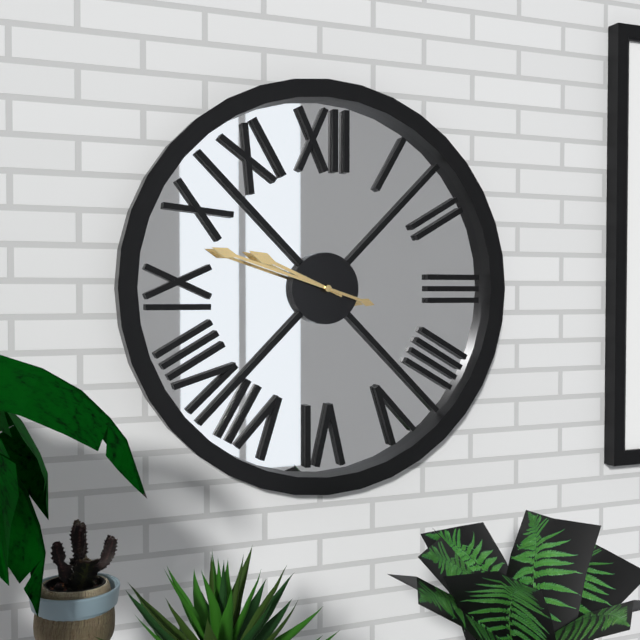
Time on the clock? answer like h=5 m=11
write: h=9 m=48
